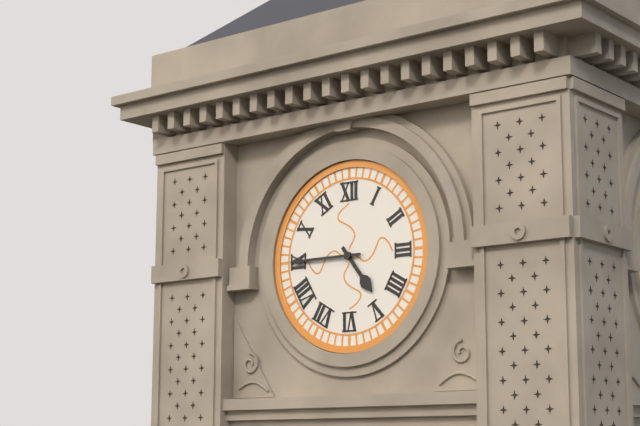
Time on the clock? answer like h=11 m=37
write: h=4 m=45
